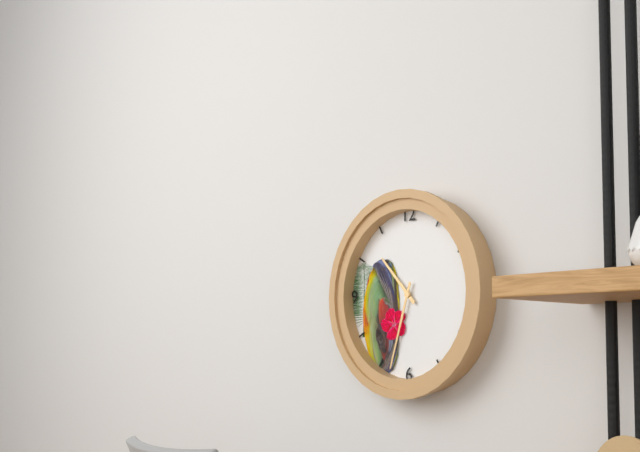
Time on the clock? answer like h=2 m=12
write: h=10 m=33
